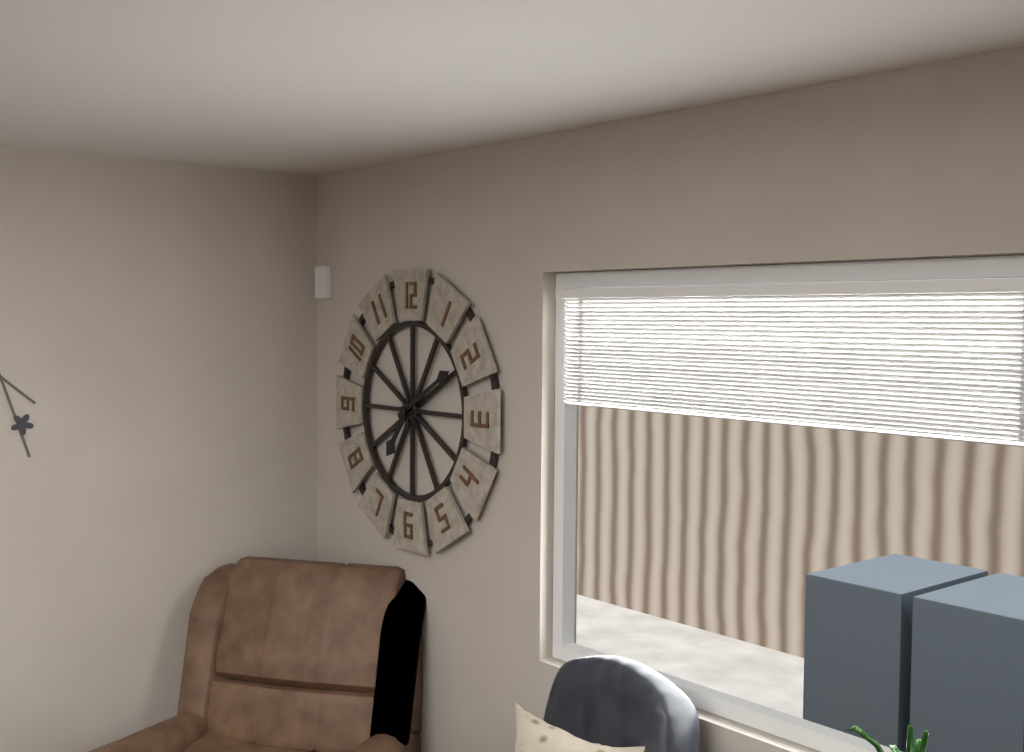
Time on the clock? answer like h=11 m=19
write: h=7 m=10
